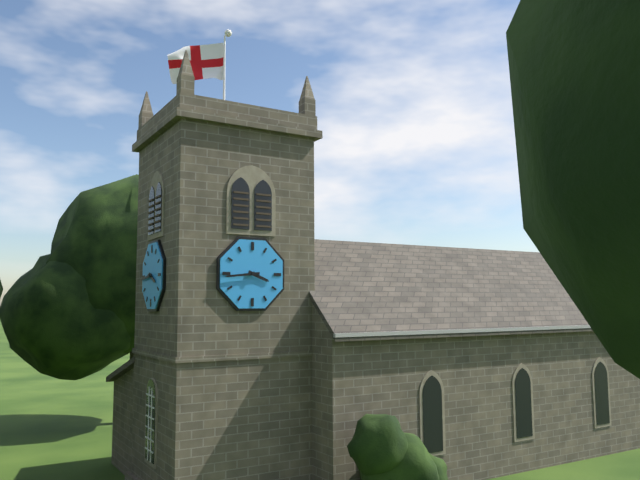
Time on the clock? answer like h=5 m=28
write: h=3 m=44
